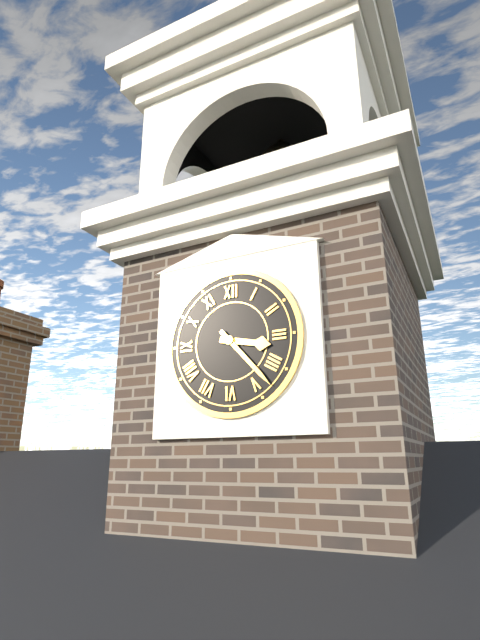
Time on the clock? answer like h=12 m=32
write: h=3 m=23
